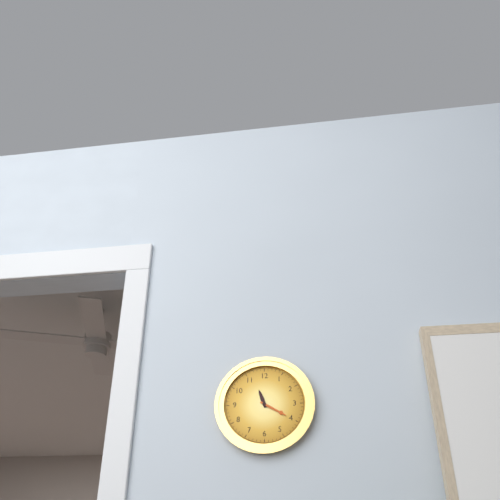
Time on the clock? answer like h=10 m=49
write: h=11 m=20
